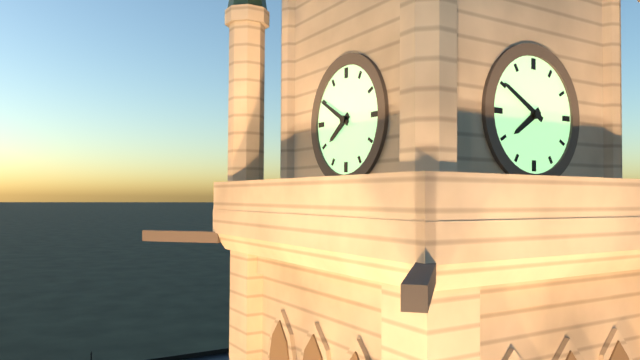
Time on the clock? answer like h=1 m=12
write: h=7 m=50
